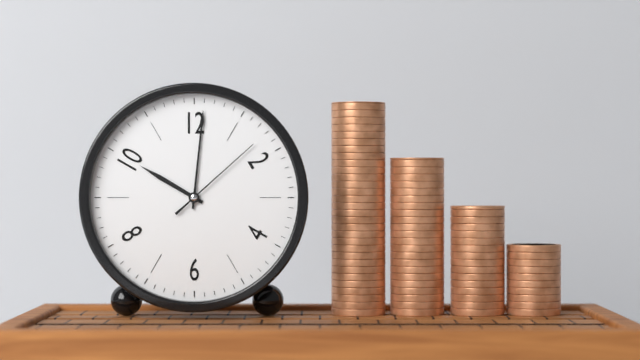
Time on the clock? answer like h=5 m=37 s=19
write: h=10 m=1 s=8
